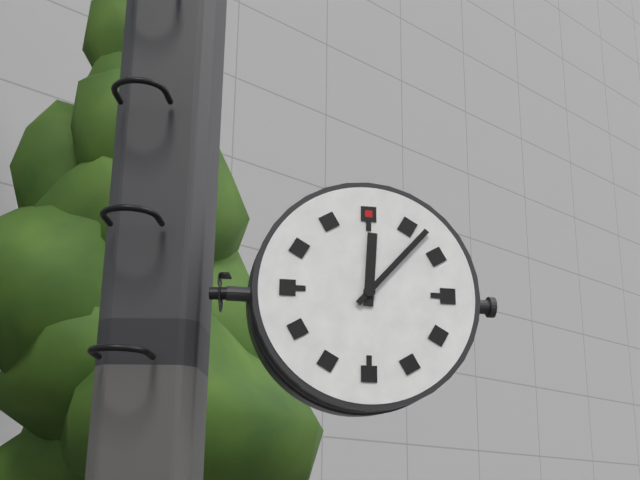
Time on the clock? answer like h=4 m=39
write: h=12 m=7
